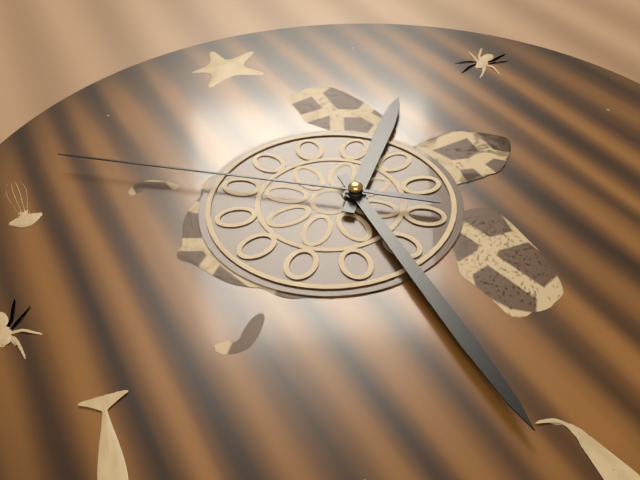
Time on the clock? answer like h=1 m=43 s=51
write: h=1 m=31 s=52
